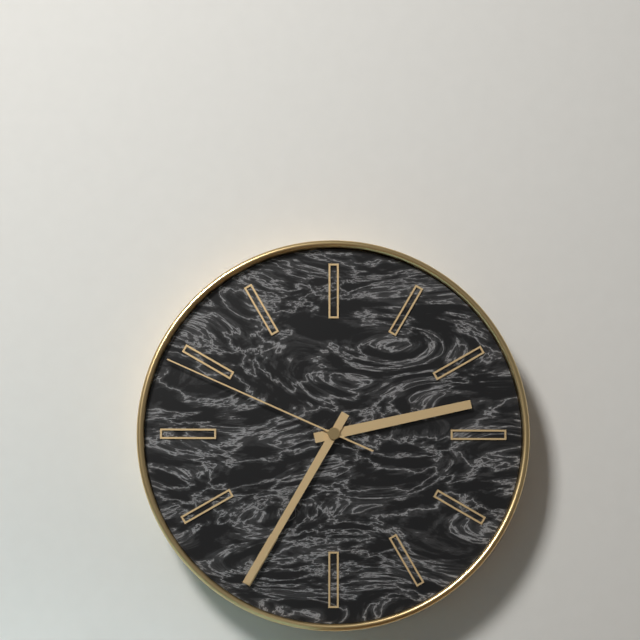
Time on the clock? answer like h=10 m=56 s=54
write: h=2 m=35 s=49
